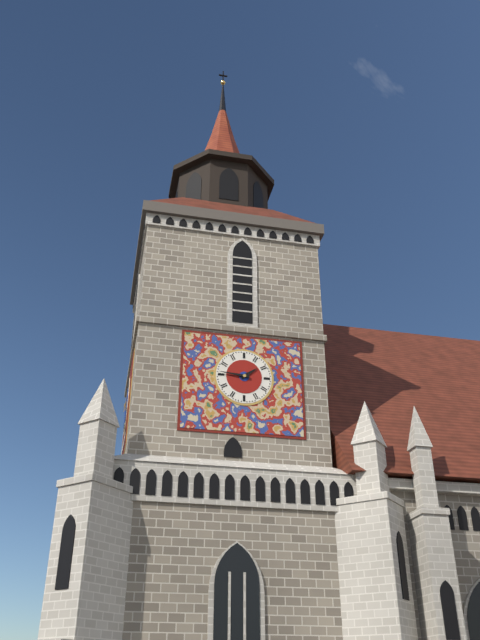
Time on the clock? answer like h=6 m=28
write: h=1 m=46
